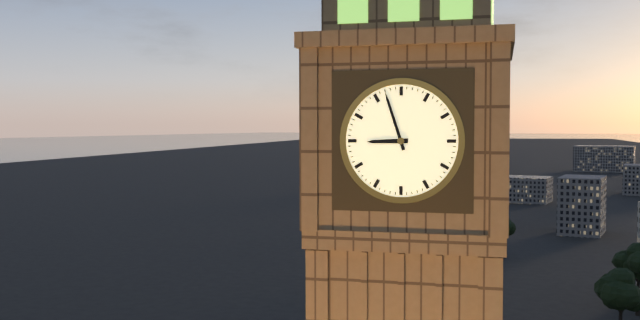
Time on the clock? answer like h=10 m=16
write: h=8 m=57
